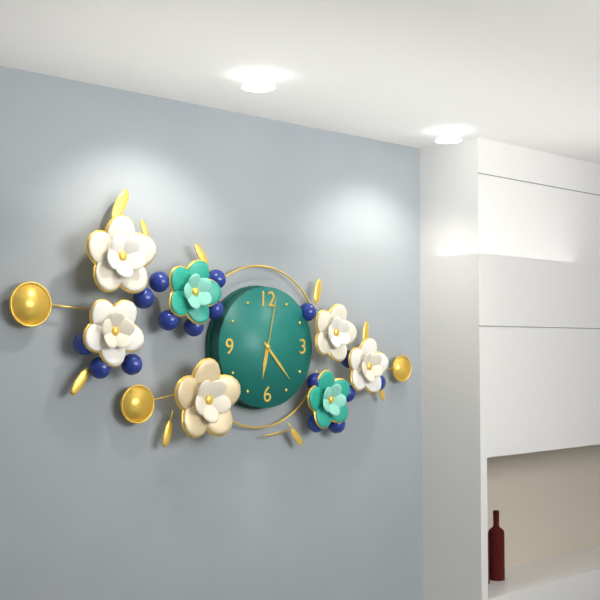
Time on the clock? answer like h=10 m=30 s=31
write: h=6 m=23 s=2
